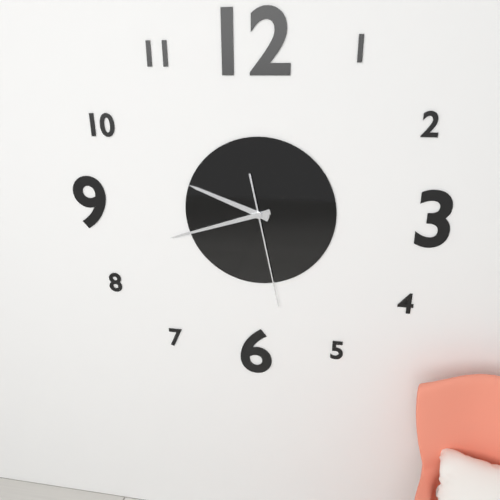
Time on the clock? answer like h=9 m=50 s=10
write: h=9 m=42 s=28
